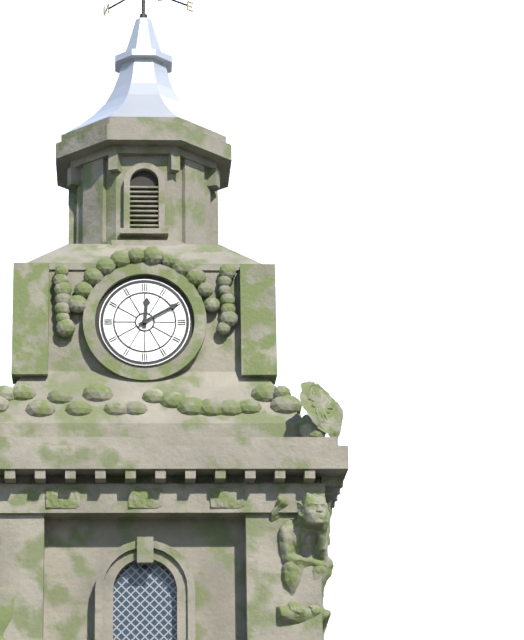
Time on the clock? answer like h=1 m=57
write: h=12 m=10
